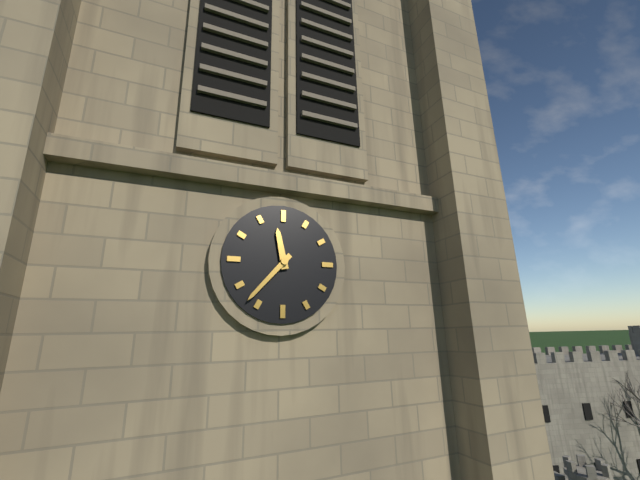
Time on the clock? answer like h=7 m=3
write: h=11 m=37
